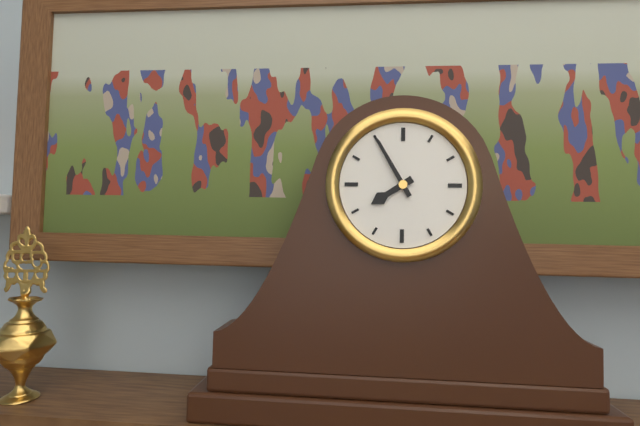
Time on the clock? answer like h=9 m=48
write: h=7 m=55
